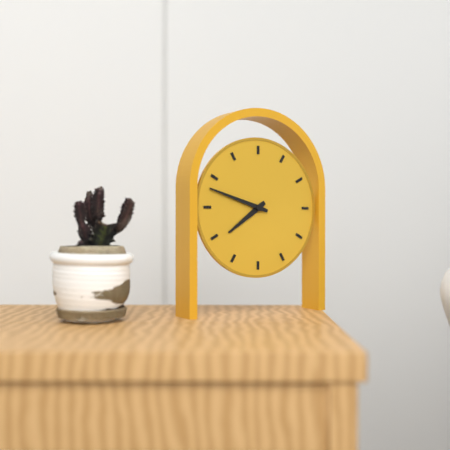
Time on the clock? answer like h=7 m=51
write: h=7 m=48
